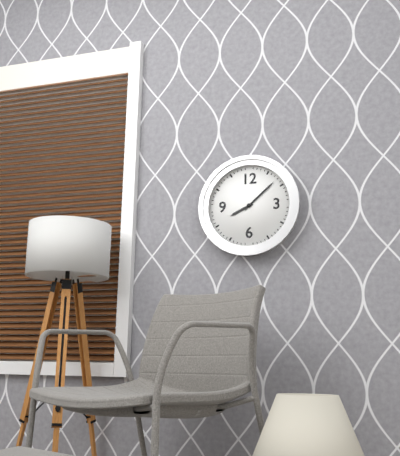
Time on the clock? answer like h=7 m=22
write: h=8 m=8
